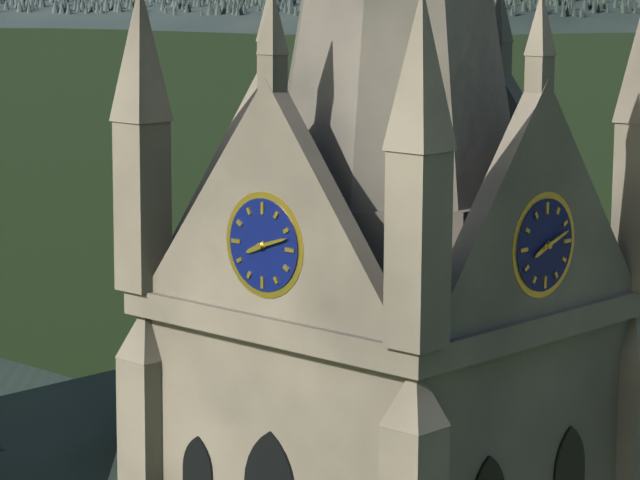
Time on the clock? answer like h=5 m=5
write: h=8 m=12
